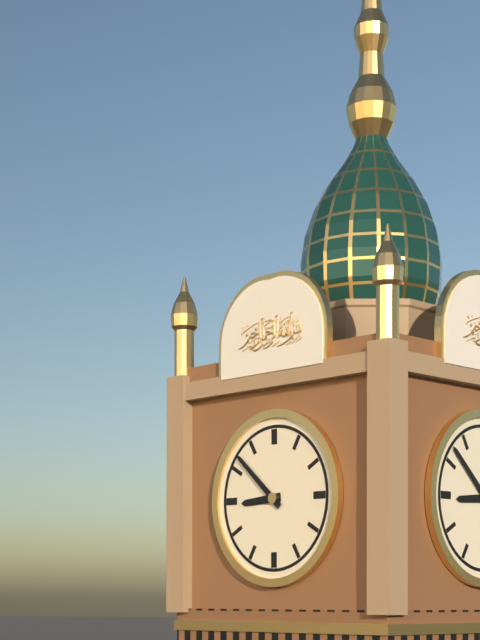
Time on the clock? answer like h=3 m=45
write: h=8 m=52
